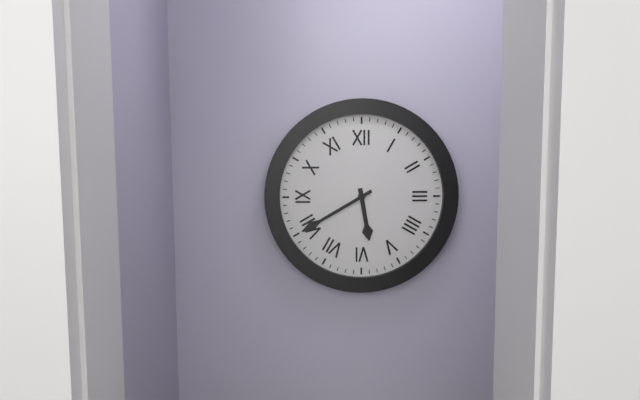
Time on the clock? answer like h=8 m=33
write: h=5 m=40
